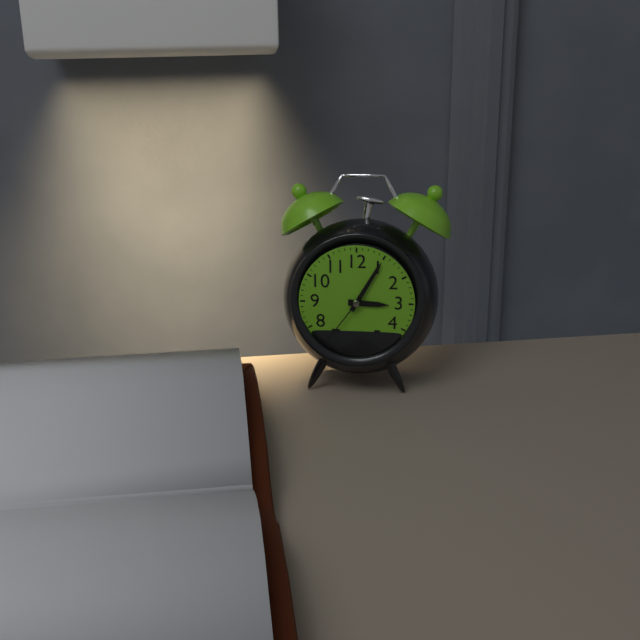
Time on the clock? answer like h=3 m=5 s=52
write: h=3 m=5 s=36
